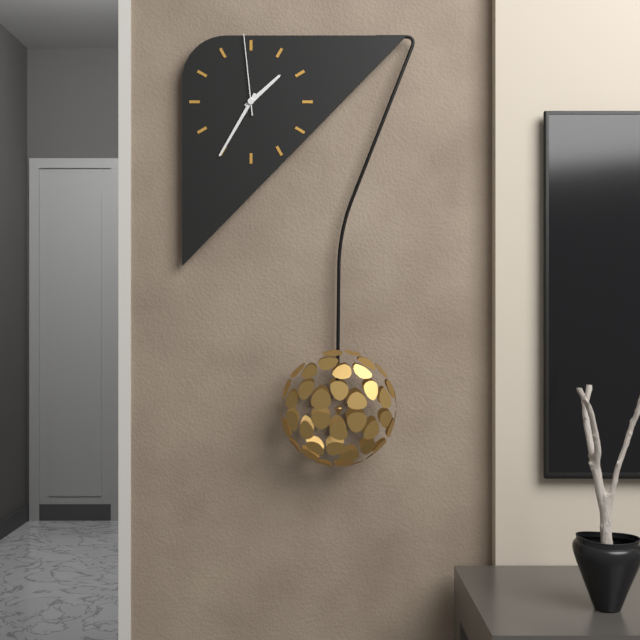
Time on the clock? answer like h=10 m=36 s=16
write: h=1 m=35 s=59
